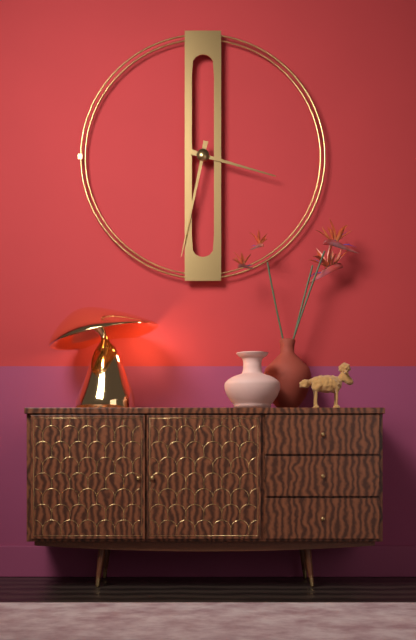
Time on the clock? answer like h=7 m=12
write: h=3 m=32
